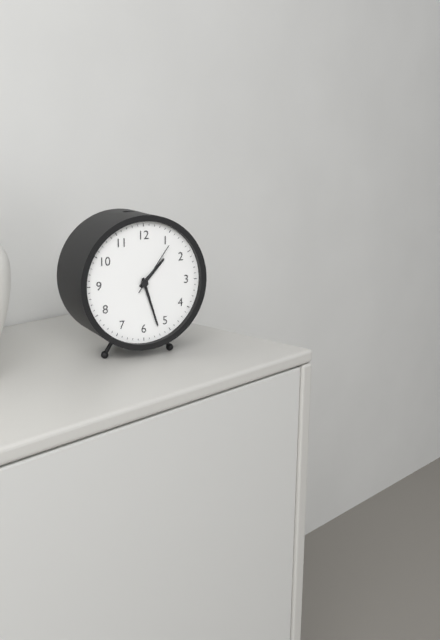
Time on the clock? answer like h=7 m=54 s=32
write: h=1 m=27 s=6
